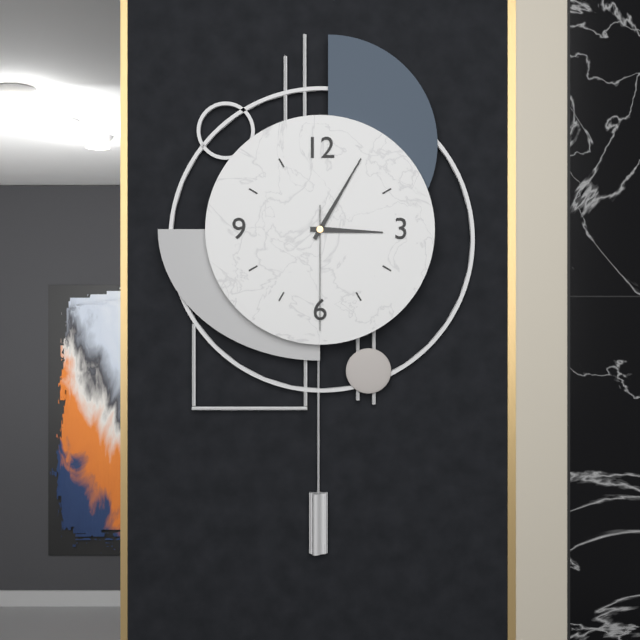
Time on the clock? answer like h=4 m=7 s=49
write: h=3 m=5 s=30
